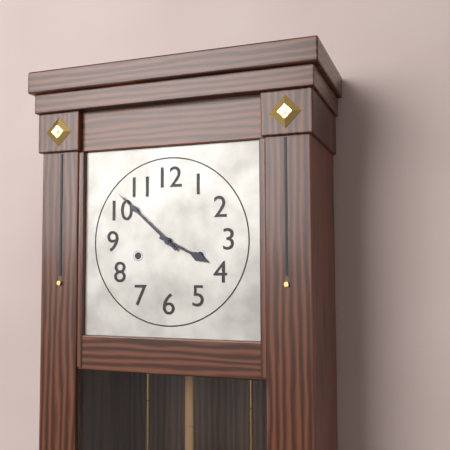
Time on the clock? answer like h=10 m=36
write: h=3 m=52
